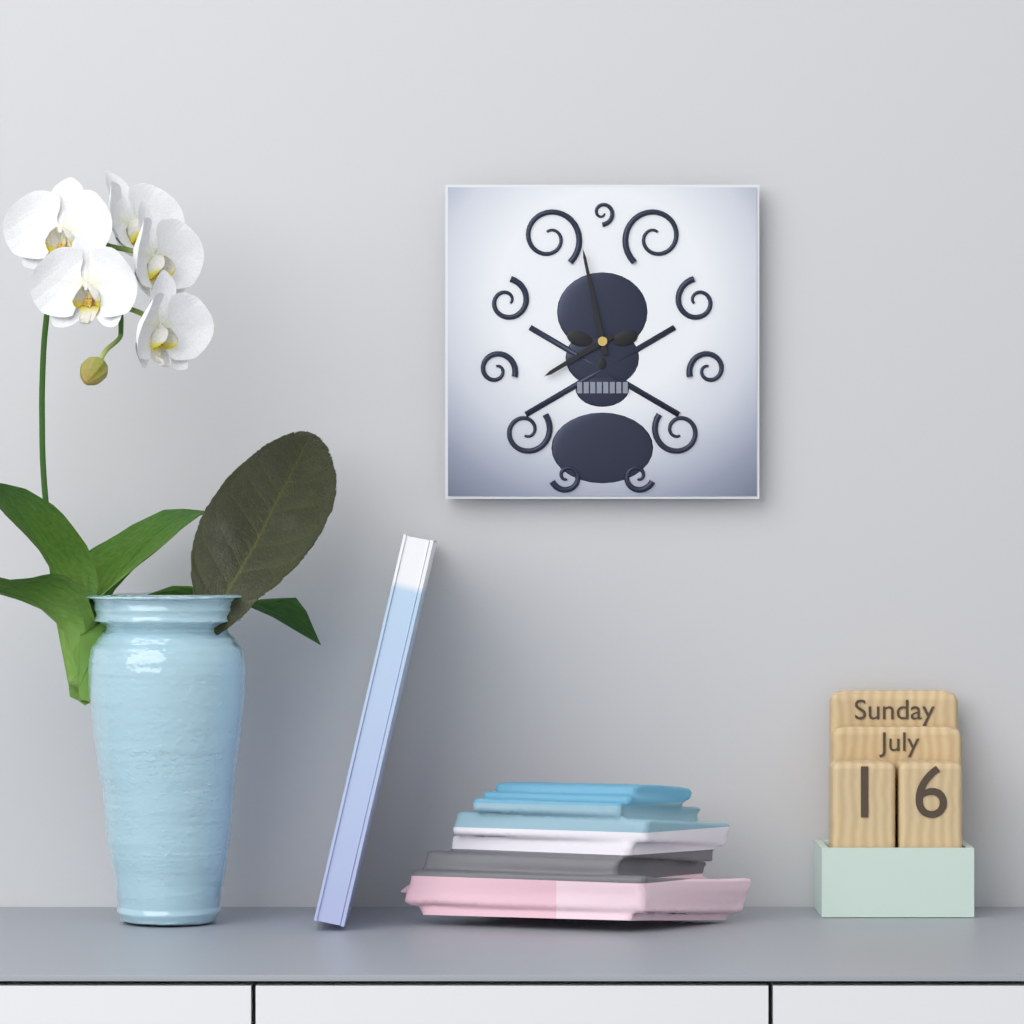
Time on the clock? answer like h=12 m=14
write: h=7 m=58
